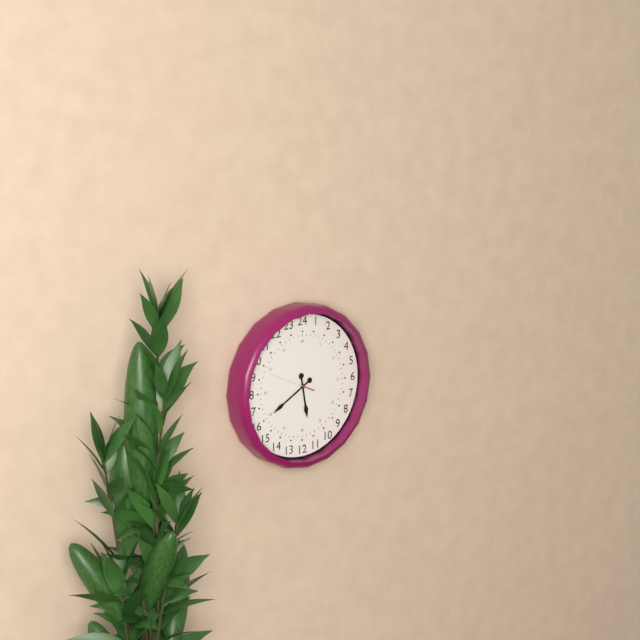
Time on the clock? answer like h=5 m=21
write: h=5 m=40
